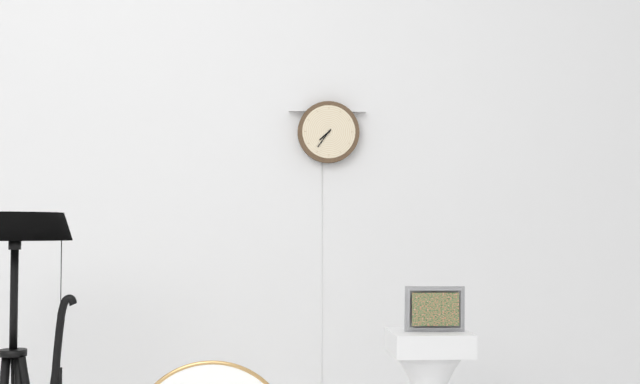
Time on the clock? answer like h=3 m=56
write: h=7 m=36
